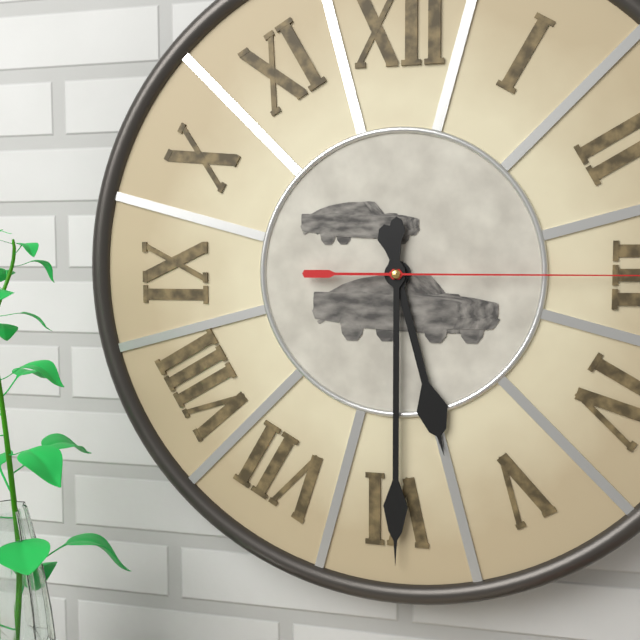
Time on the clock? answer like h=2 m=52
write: h=5 m=30
